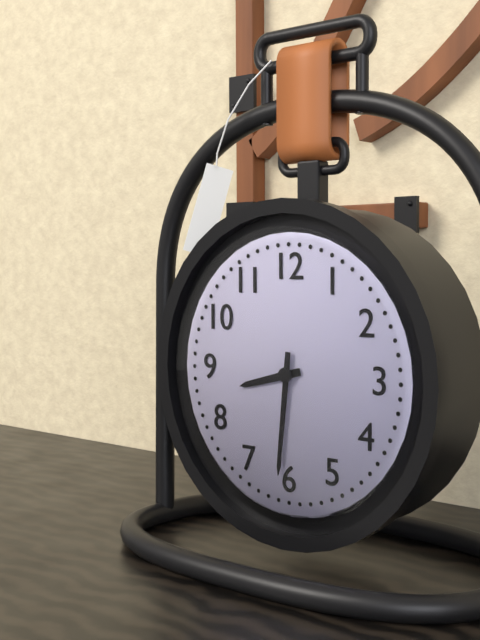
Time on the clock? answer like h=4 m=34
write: h=8 m=31
